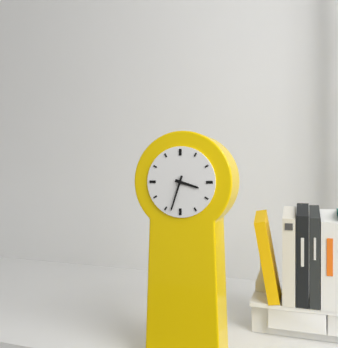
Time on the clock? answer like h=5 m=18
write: h=3 m=33
